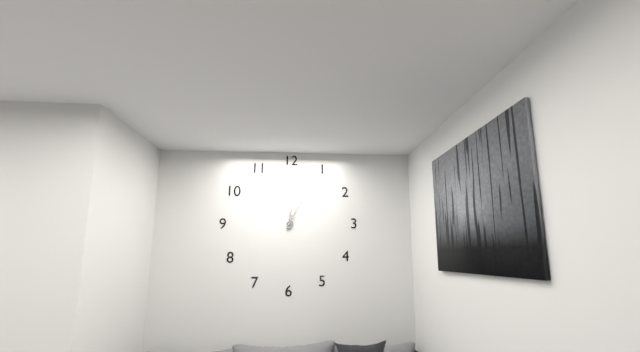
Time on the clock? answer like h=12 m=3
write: h=12 m=4
